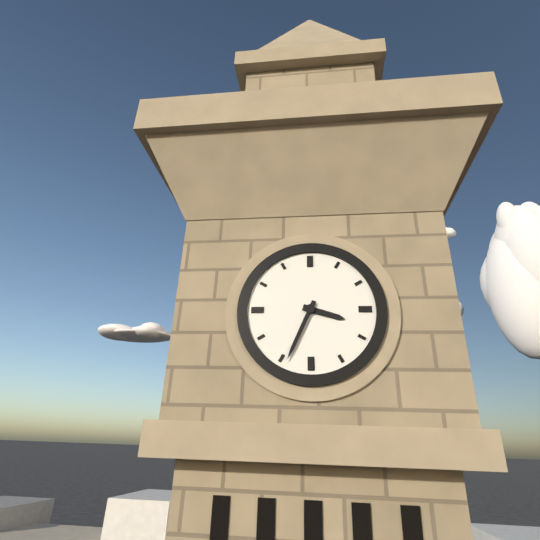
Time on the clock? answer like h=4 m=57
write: h=3 m=34
